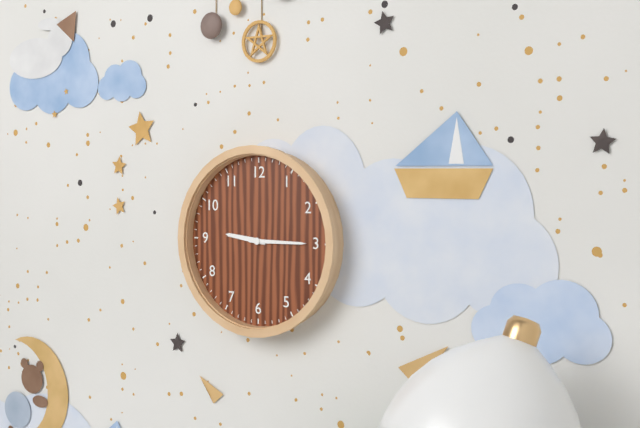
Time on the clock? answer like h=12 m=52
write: h=9 m=15
